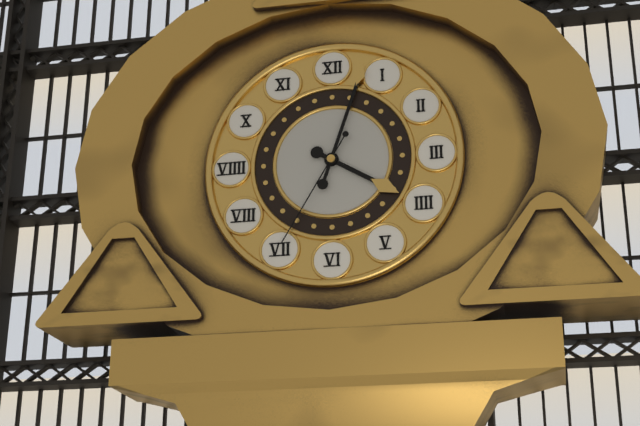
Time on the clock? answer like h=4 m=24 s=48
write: h=4 m=3 s=35
